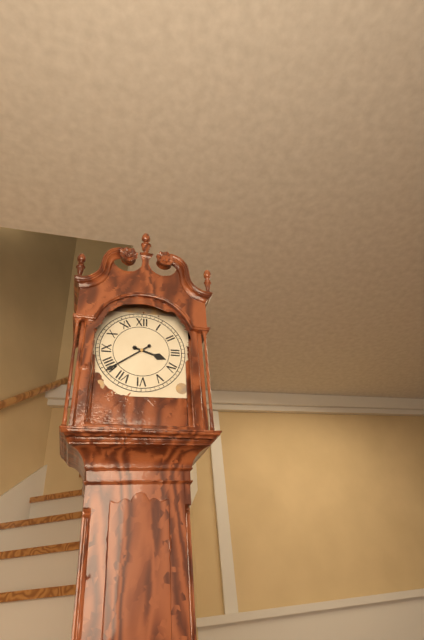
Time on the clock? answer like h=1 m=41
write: h=3 m=39
